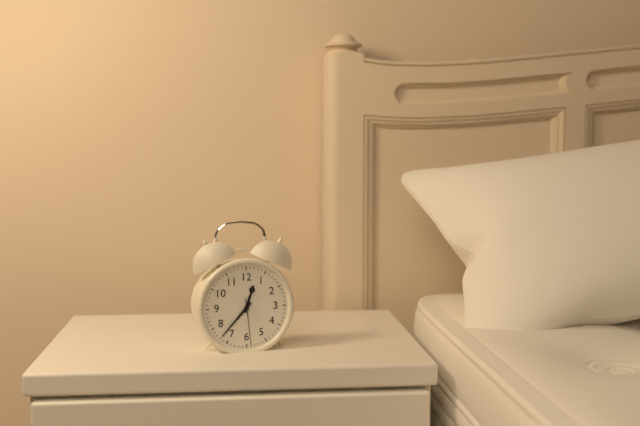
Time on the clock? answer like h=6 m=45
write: h=12 m=37
